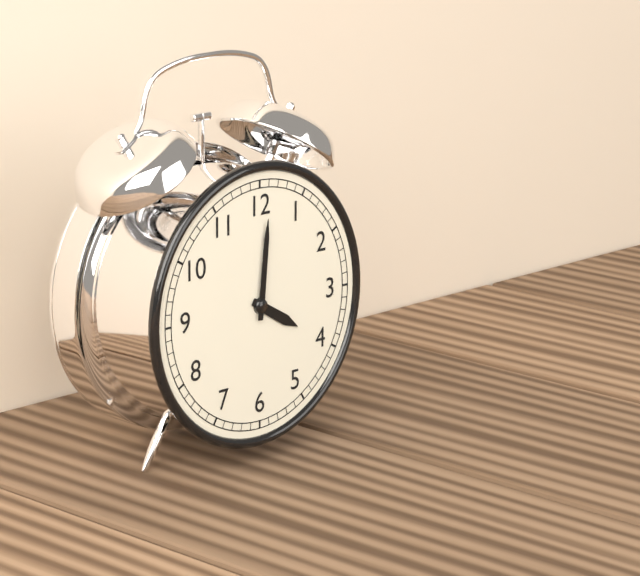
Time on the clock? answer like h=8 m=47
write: h=4 m=1
